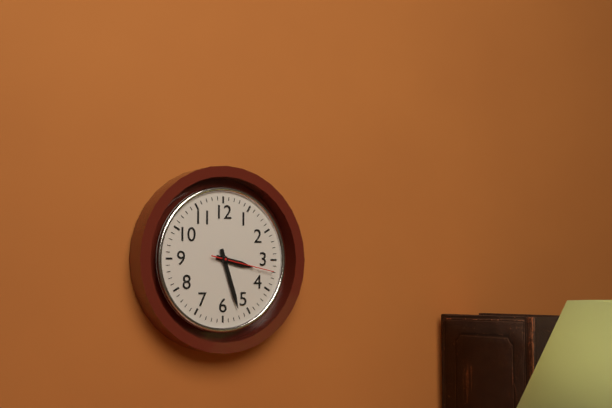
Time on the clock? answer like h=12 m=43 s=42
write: h=3 m=27 s=17
